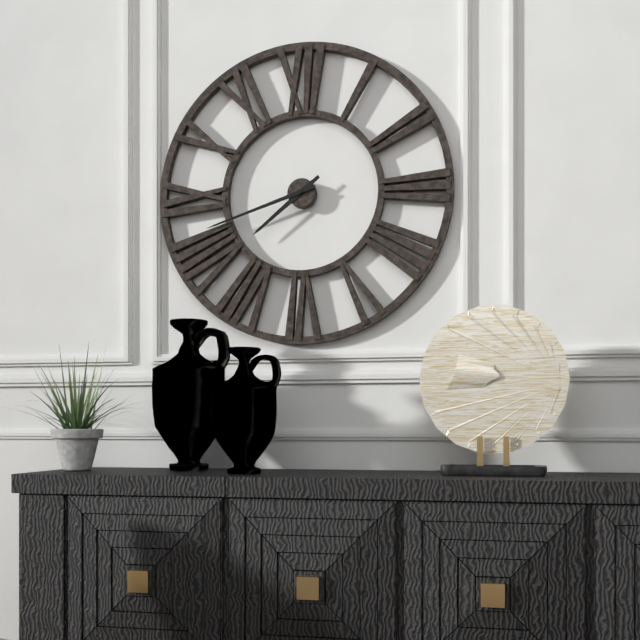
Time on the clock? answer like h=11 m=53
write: h=7 m=42
